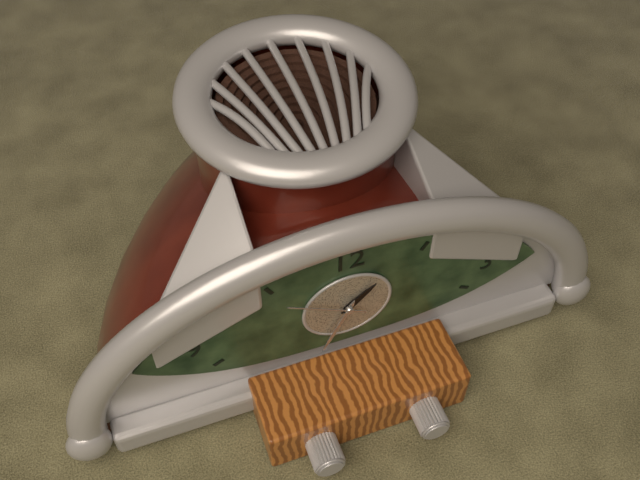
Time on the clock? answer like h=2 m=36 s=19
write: h=1 m=34 s=50
